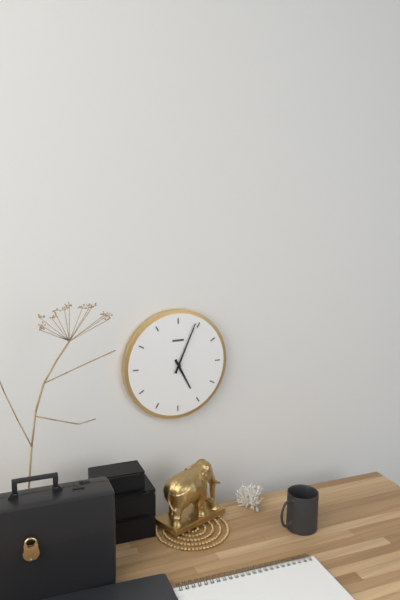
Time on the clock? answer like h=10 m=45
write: h=5 m=4
